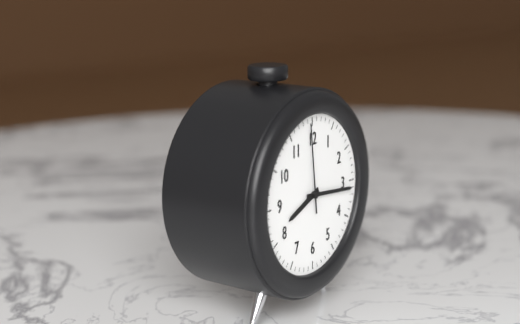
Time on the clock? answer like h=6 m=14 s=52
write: h=8 m=16 s=59
